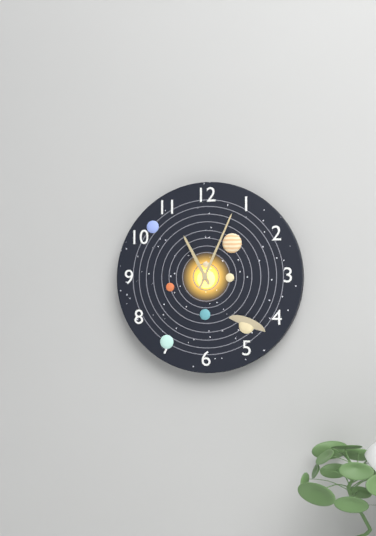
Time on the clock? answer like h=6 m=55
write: h=11 m=4
